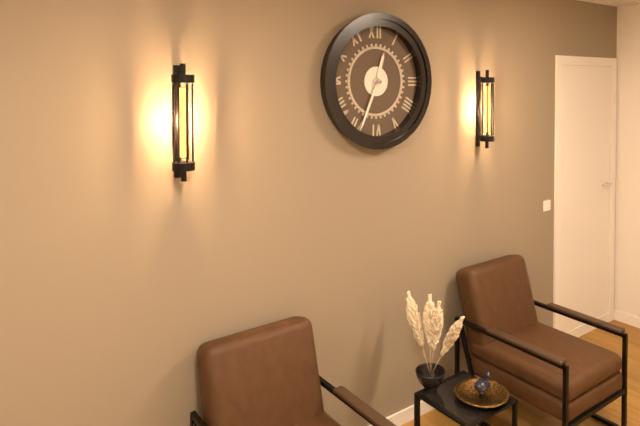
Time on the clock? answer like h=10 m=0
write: h=12 m=34
